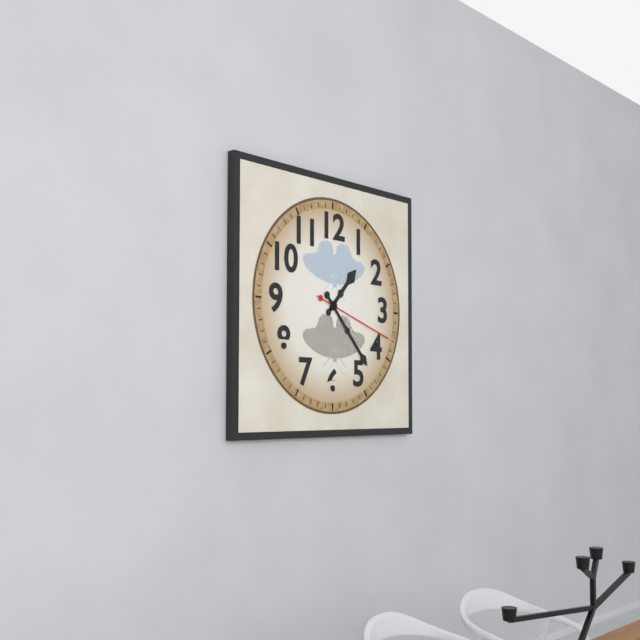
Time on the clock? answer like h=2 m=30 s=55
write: h=1 m=23 s=18
